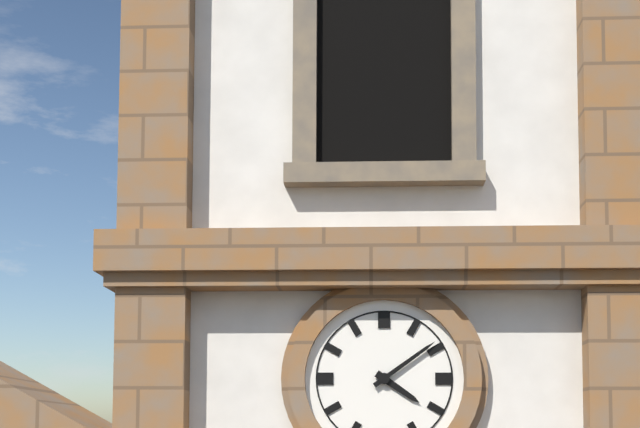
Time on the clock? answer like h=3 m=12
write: h=4 m=9
